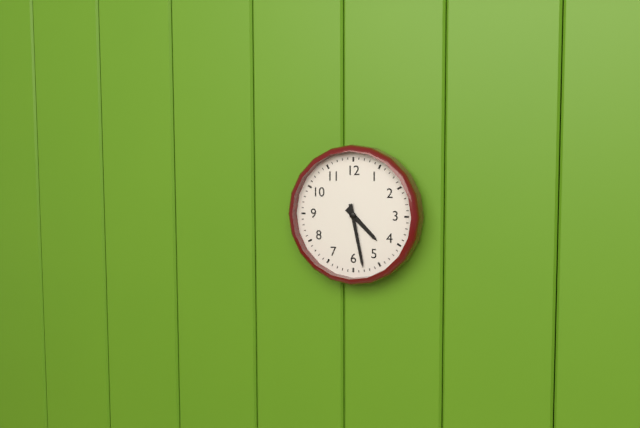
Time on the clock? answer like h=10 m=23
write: h=4 m=28
